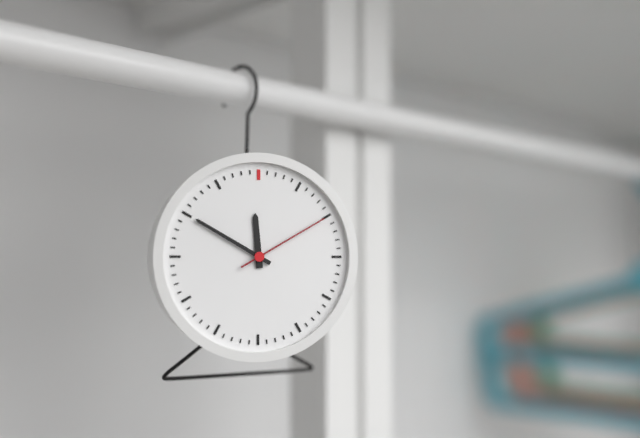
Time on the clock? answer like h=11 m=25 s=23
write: h=11 m=50 s=10
